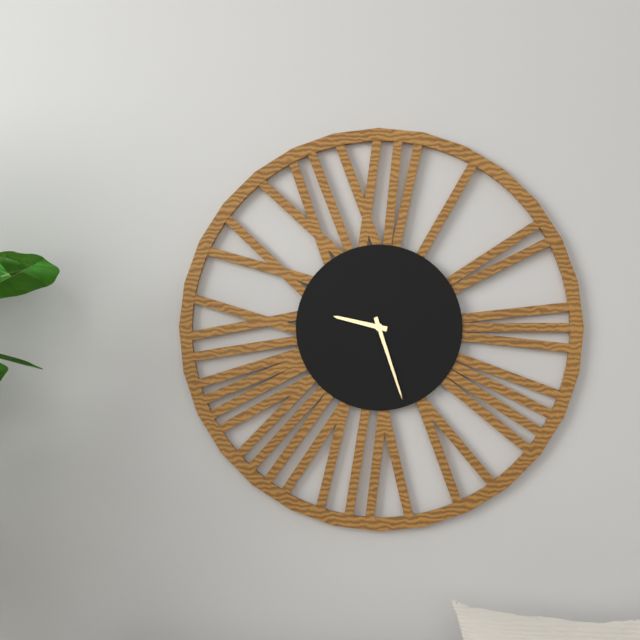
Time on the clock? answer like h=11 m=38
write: h=9 m=27
